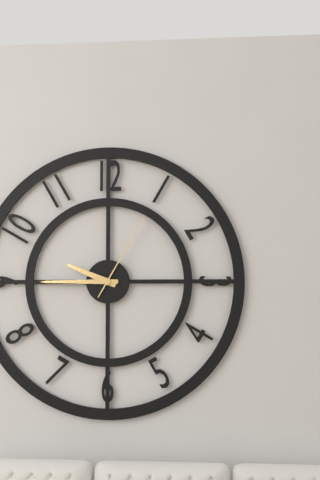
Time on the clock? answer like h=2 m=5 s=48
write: h=9 m=45 s=5
